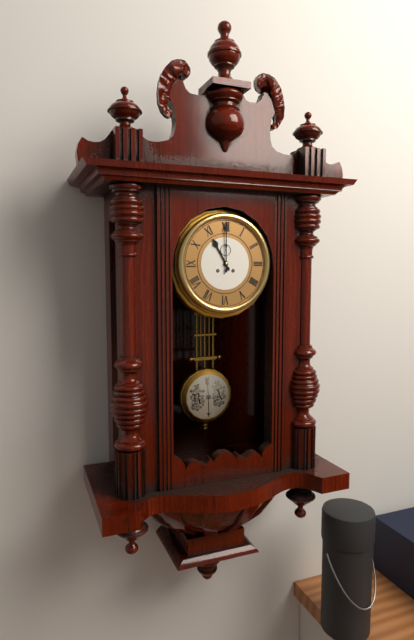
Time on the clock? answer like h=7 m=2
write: h=11 m=0
